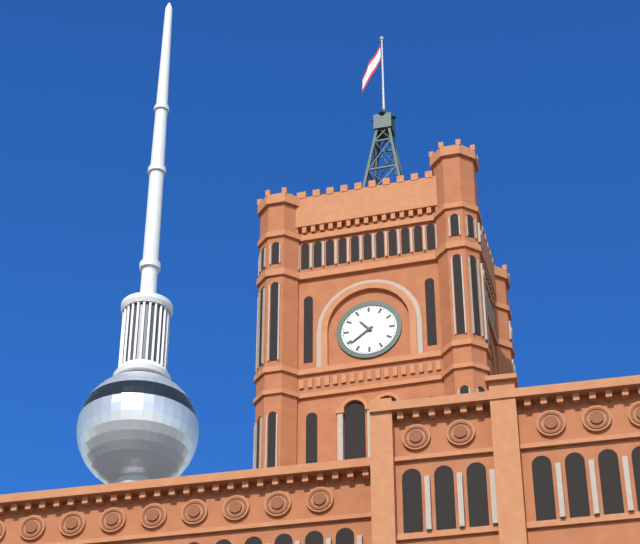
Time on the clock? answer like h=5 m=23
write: h=10 m=39
